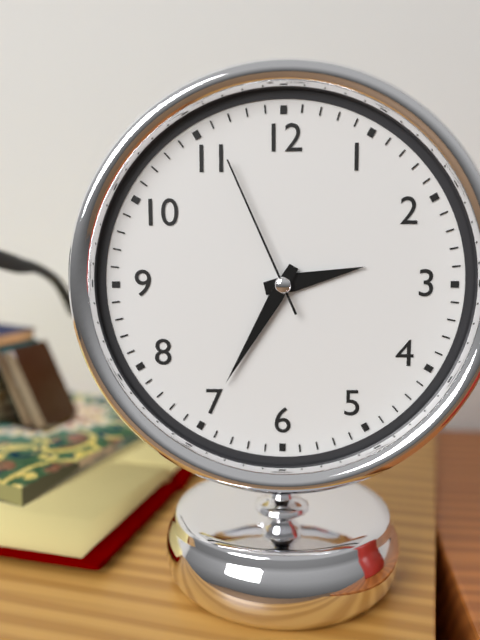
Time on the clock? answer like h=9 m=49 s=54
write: h=2 m=35 s=56
